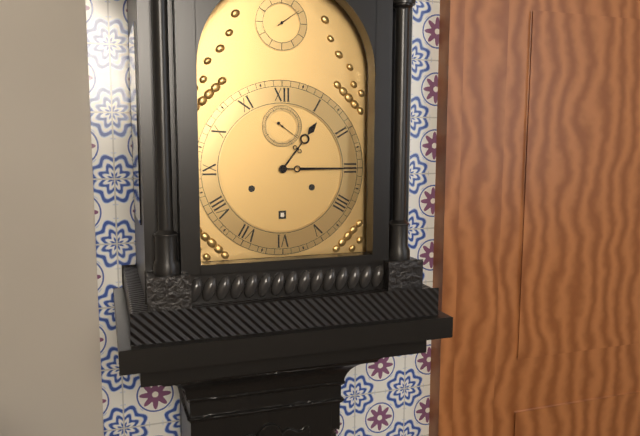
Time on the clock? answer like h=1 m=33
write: h=1 m=15
